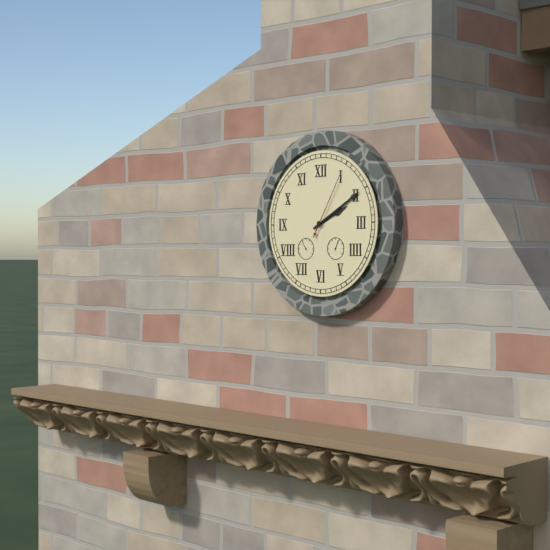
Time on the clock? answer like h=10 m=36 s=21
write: h=2 m=10 s=5
